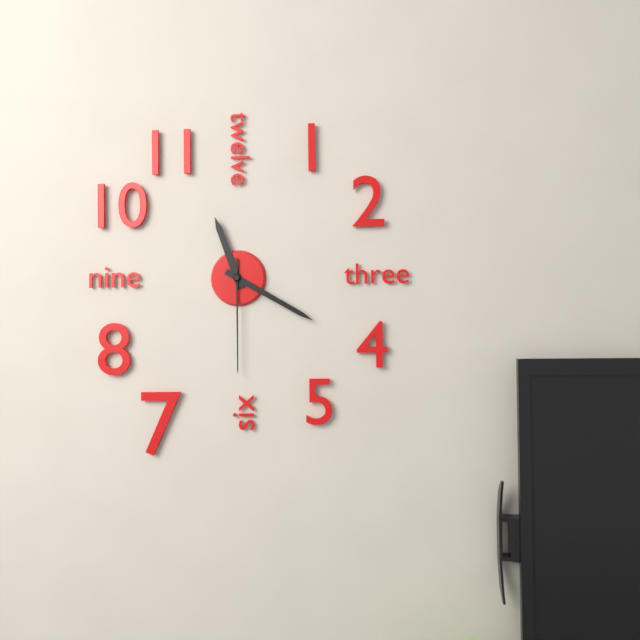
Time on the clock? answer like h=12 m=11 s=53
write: h=11 m=20 s=30
